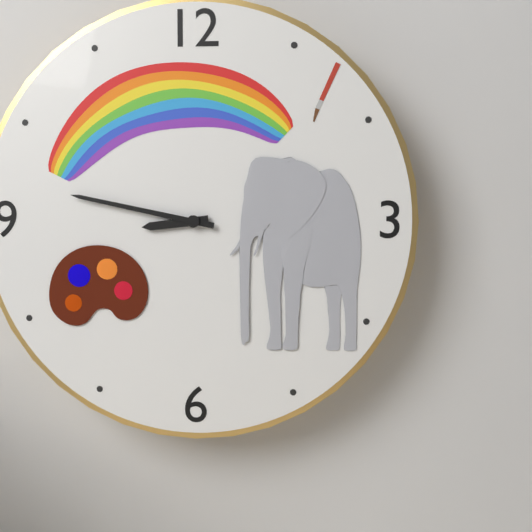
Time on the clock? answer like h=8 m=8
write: h=8 m=47
